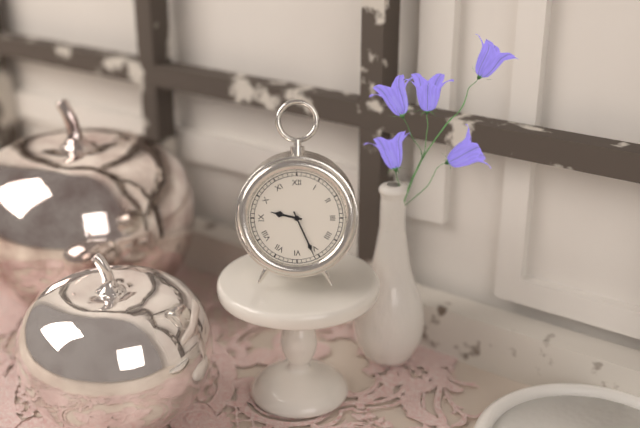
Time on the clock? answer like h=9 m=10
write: h=9 m=26
